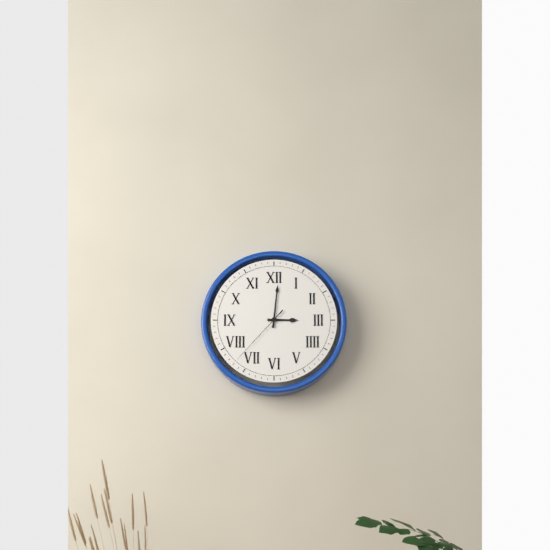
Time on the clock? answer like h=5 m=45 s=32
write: h=3 m=1 s=37
